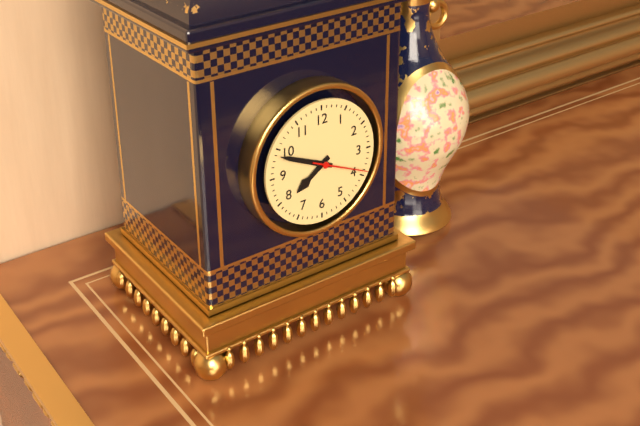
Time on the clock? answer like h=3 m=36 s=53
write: h=7 m=49 s=19
